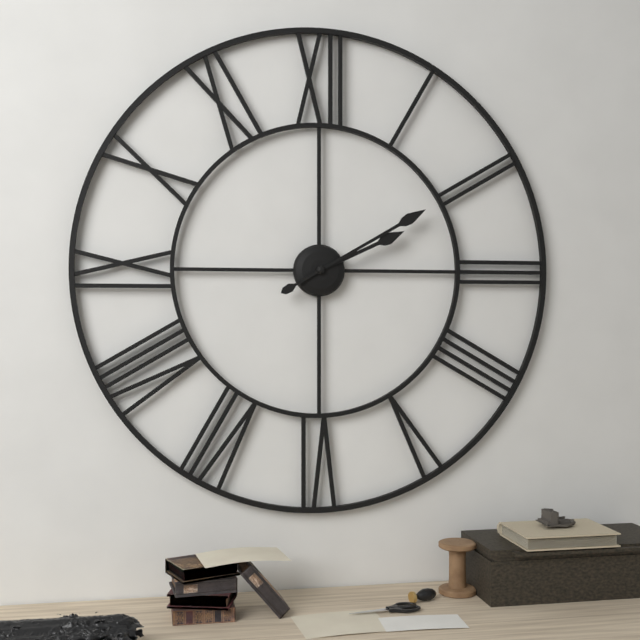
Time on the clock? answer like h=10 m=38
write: h=2 m=10
